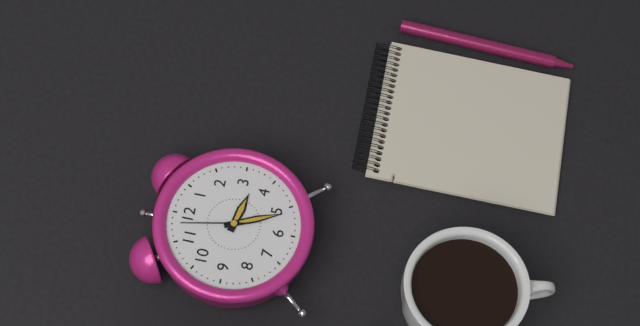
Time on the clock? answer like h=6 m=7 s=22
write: h=3 m=26 s=58
